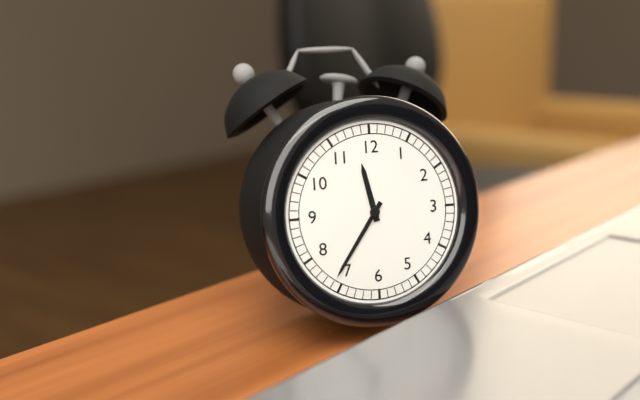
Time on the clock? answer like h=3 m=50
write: h=11 m=36
